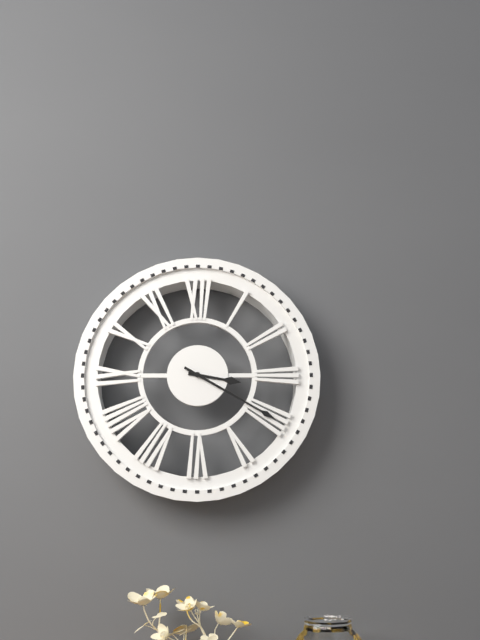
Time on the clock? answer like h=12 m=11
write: h=3 m=20
